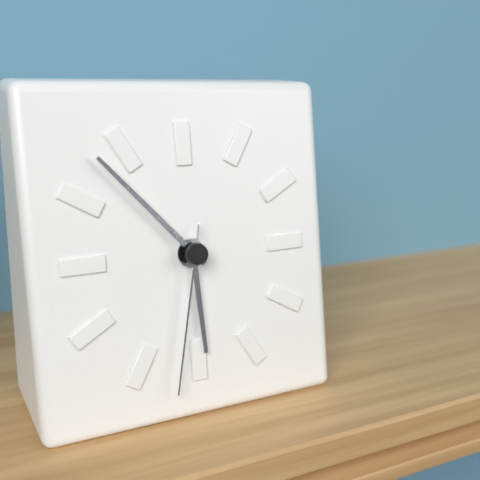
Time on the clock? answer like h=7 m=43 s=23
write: h=5 m=53 s=32
